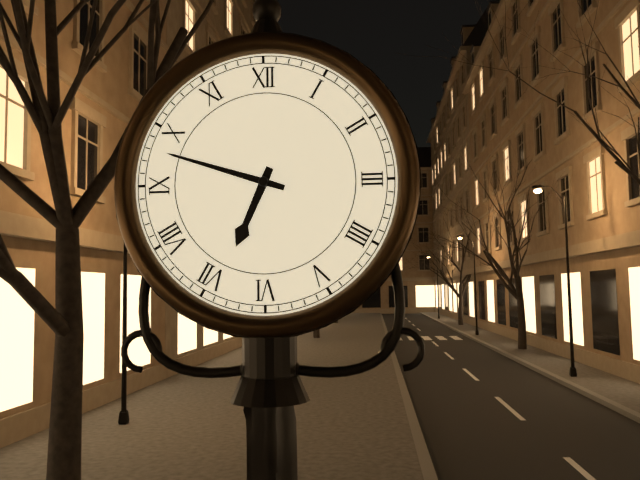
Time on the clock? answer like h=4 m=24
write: h=6 m=48
